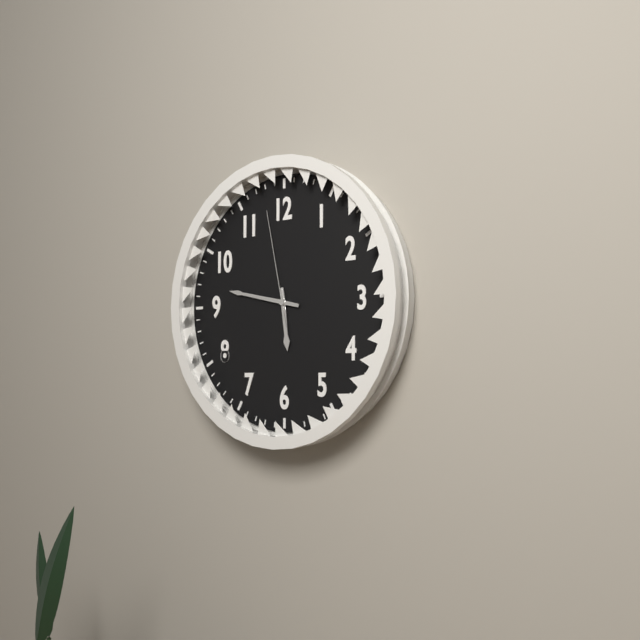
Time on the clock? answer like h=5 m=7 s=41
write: h=5 m=47 s=58
